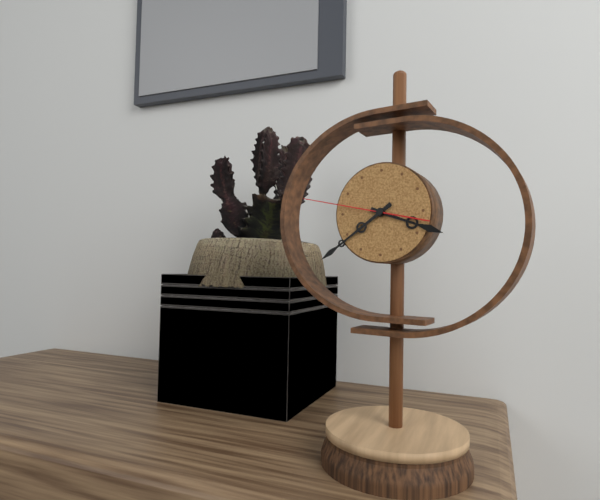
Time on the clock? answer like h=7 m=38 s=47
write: h=3 m=39 s=47
